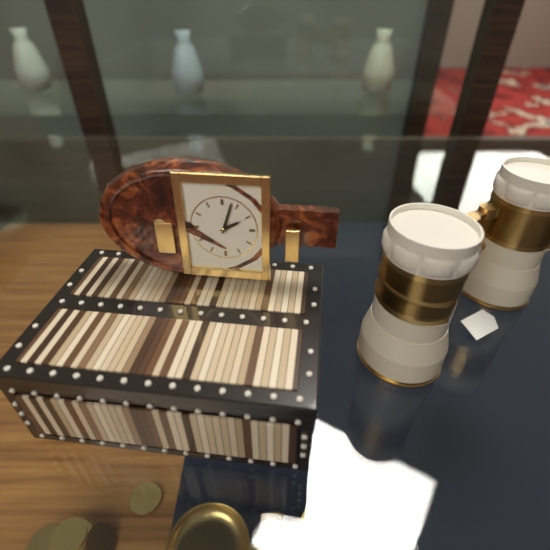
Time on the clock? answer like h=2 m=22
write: h=2 m=3
